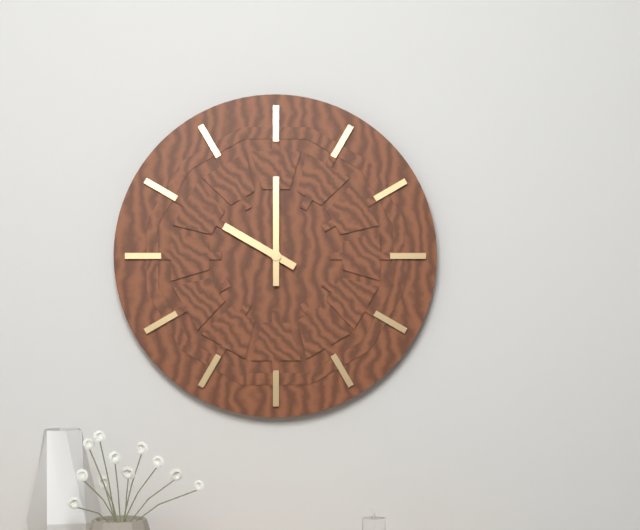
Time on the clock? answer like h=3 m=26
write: h=10 m=0
